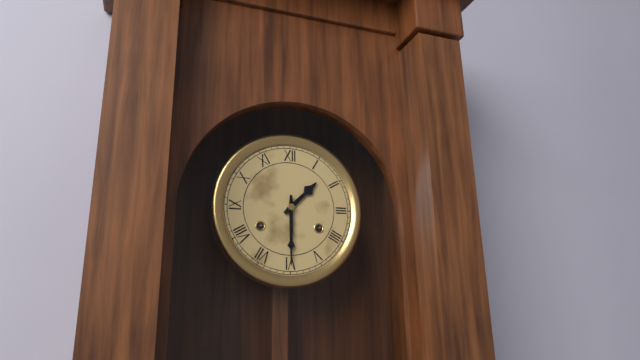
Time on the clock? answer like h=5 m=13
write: h=1 m=30
